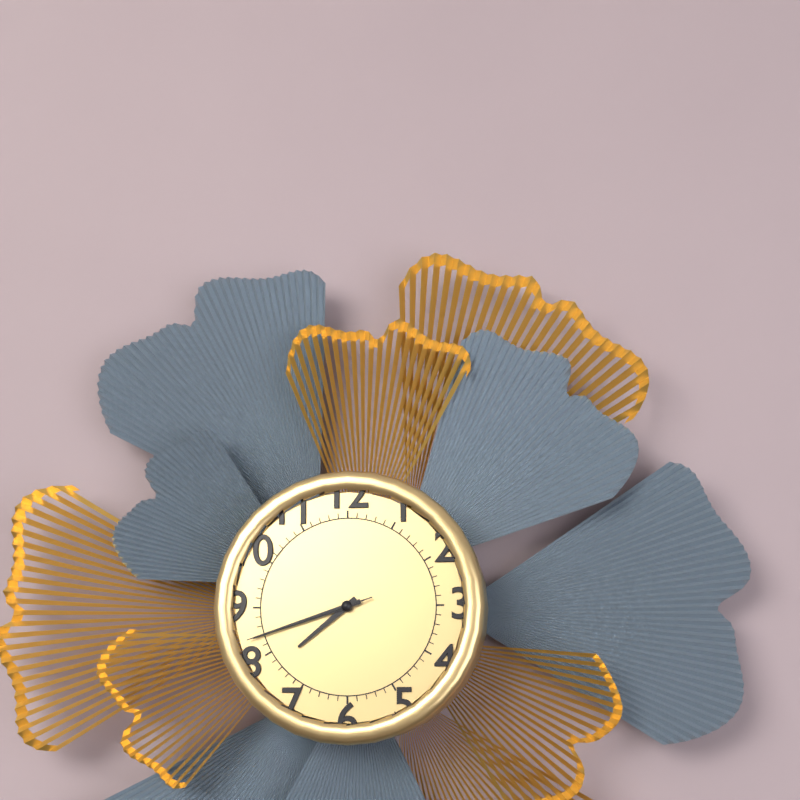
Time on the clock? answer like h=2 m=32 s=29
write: h=7 m=42 s=42
